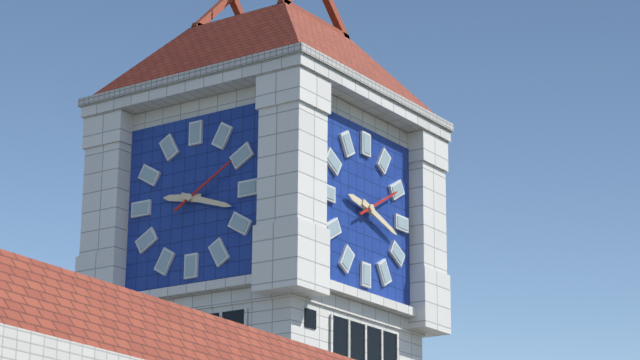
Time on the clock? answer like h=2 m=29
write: h=9 m=18
